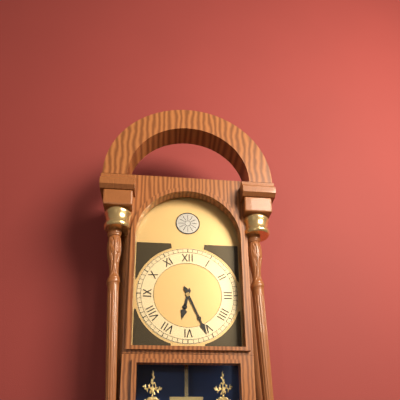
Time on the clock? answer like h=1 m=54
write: h=6 m=26
